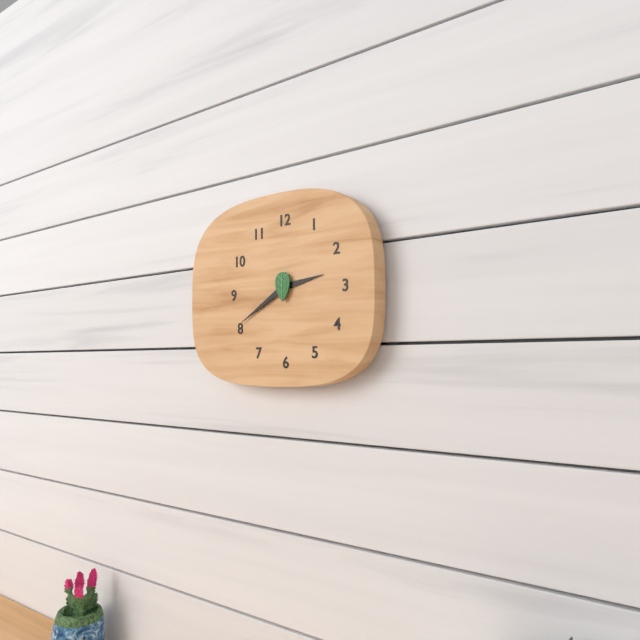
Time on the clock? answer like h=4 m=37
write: h=2 m=40
